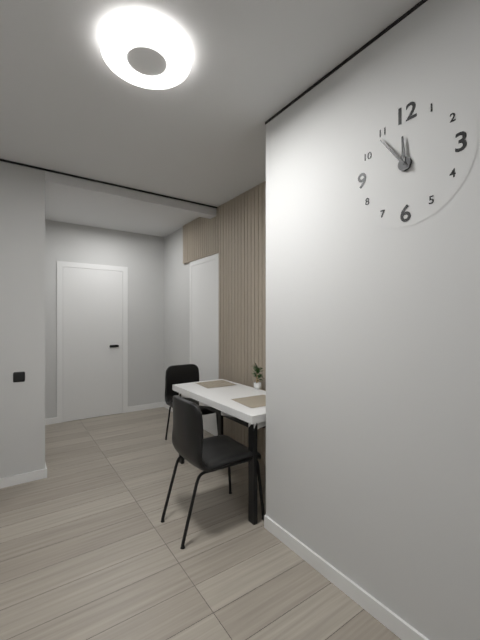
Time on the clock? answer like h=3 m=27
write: h=11 m=54
